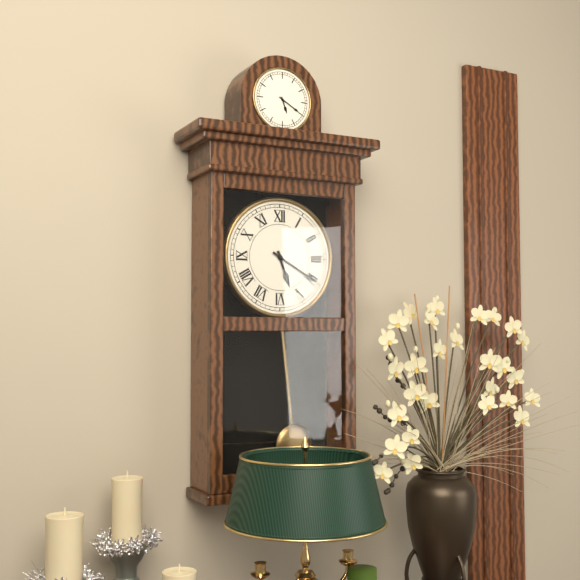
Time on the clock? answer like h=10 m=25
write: h=5 m=20
